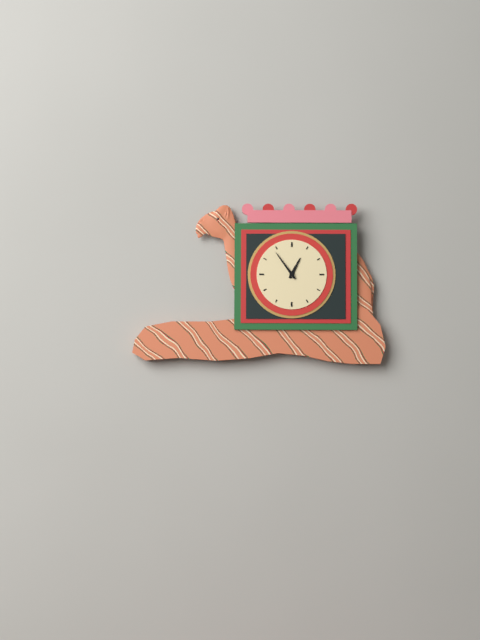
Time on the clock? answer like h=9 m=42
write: h=12 m=54
